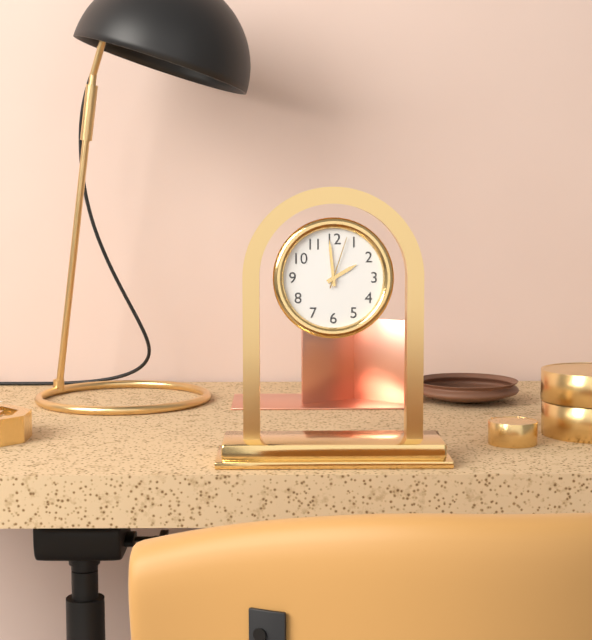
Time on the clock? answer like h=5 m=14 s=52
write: h=1 m=59 s=3
